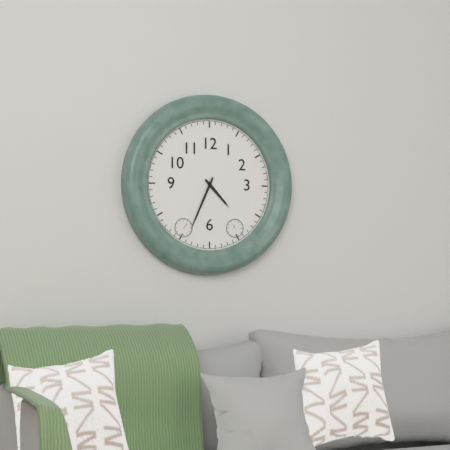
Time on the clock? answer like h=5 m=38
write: h=4 m=34
